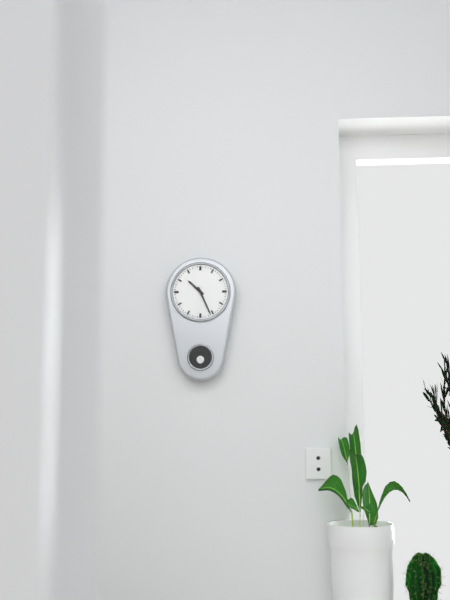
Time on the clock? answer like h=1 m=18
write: h=10 m=26
